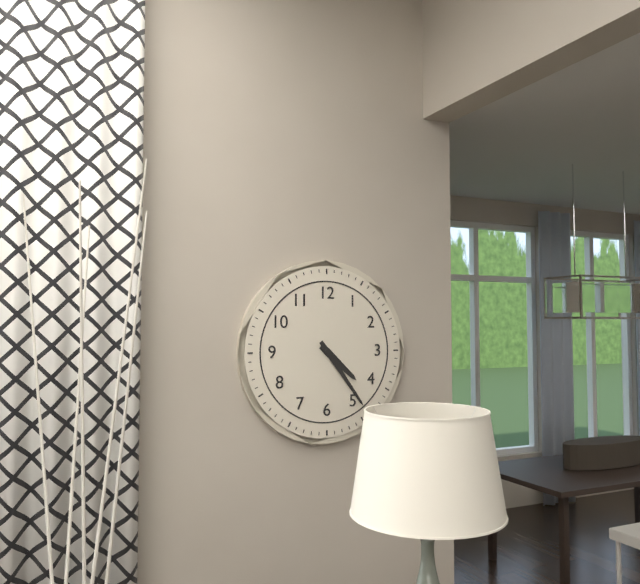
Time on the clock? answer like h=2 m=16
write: h=4 m=24
